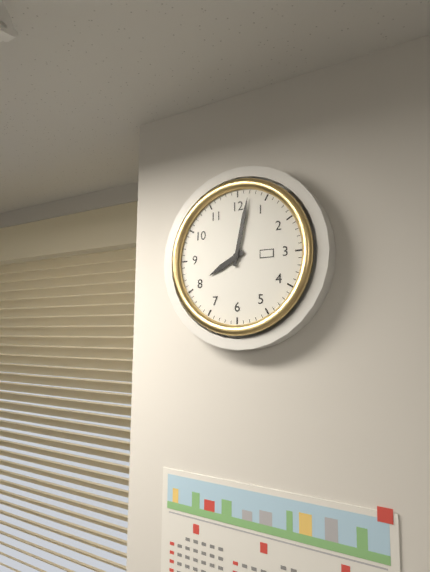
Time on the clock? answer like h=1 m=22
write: h=8 m=2
